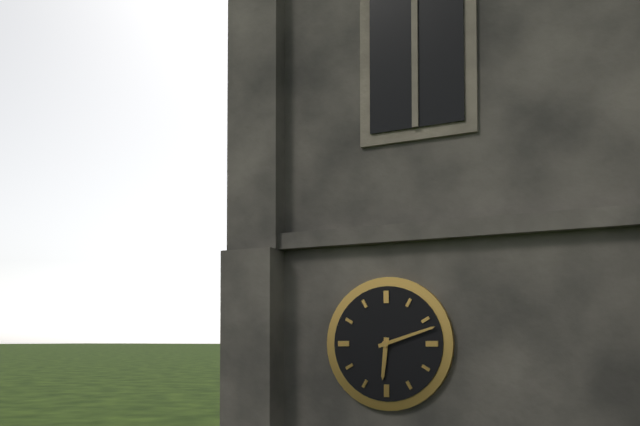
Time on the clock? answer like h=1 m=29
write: h=6 m=12
